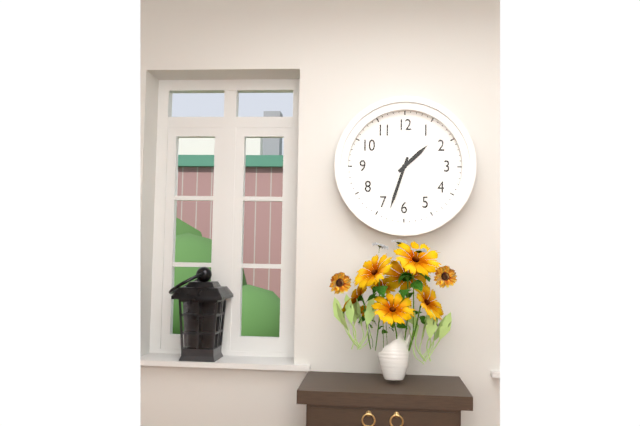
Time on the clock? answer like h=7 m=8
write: h=1 m=33
